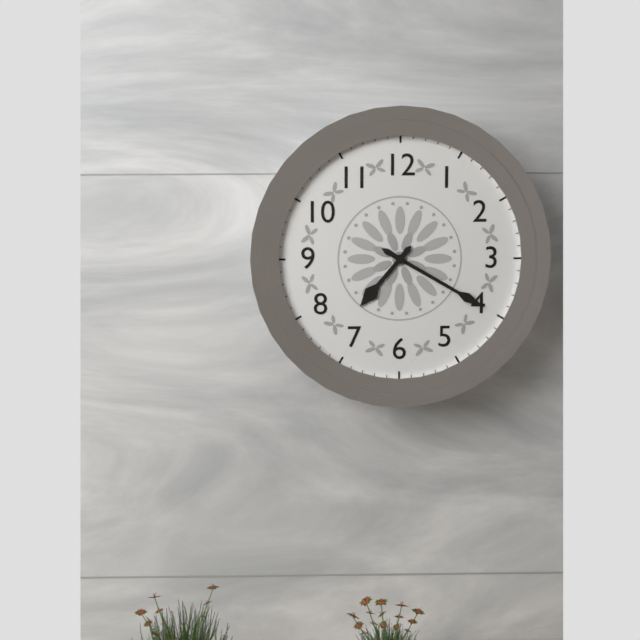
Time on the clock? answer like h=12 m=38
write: h=7 m=20
